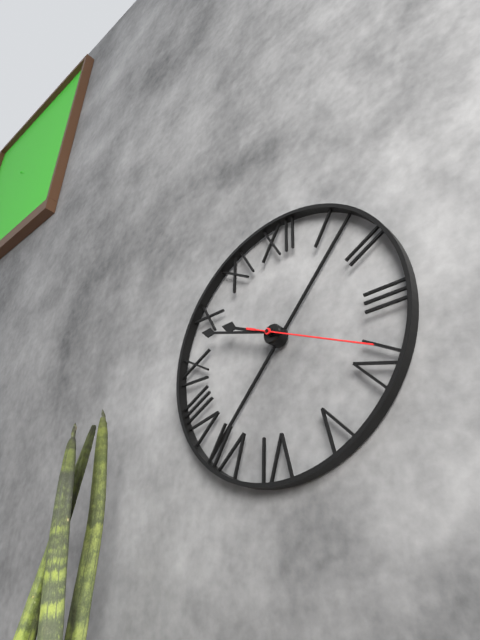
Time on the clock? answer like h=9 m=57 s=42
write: h=9 m=48 s=19
